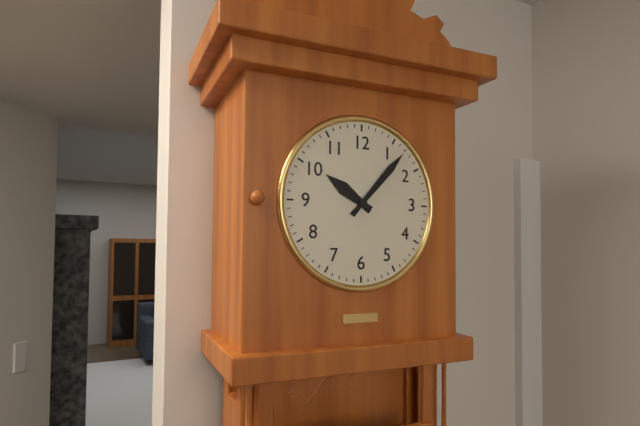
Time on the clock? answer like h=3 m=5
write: h=10 m=7
